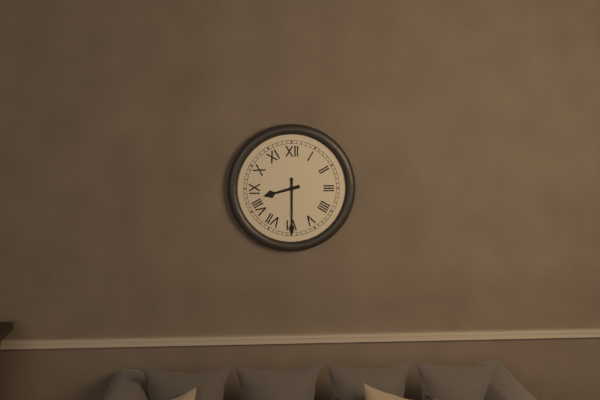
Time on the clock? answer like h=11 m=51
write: h=8 m=30
